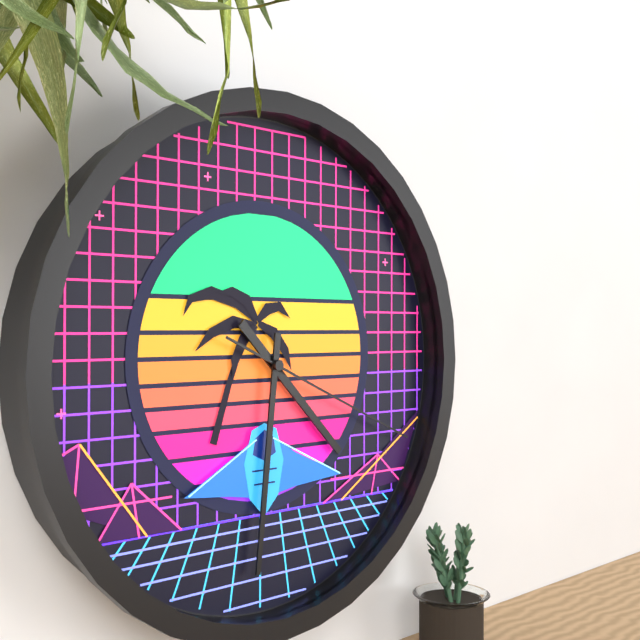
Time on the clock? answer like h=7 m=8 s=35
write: h=4 m=31 s=19
